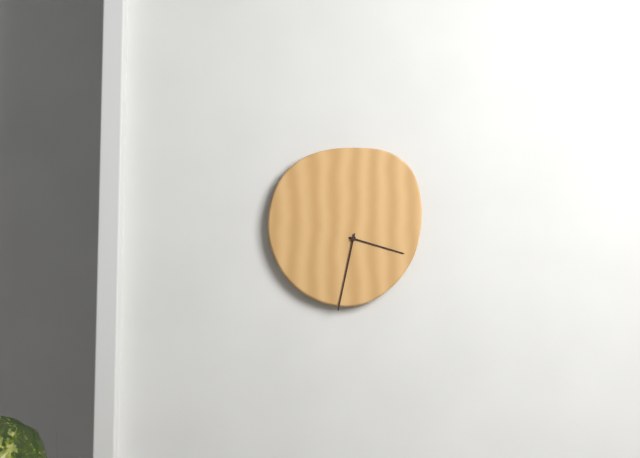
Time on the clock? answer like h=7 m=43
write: h=3 m=32
